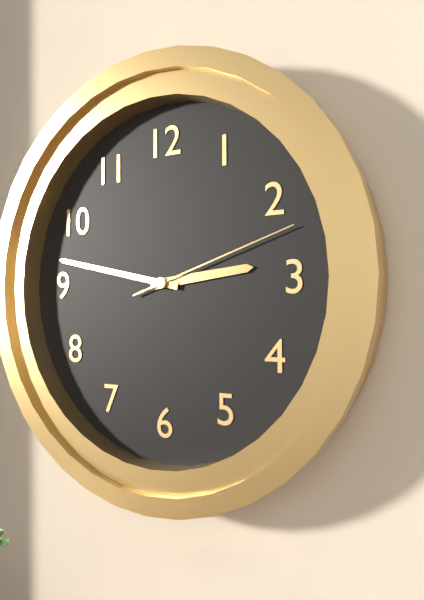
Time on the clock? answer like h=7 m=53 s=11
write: h=2 m=47 s=12
